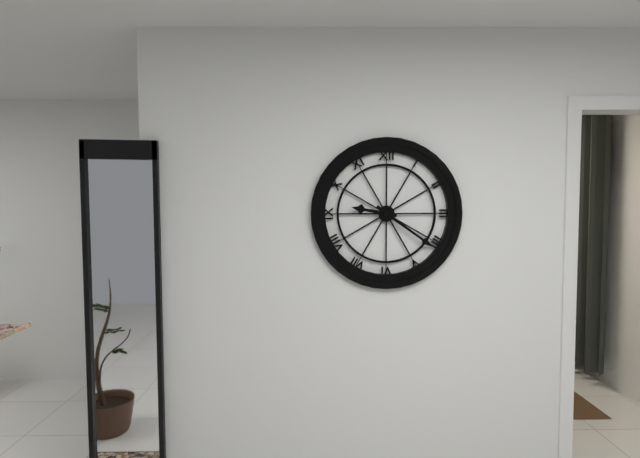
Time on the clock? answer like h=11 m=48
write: h=9 m=21
